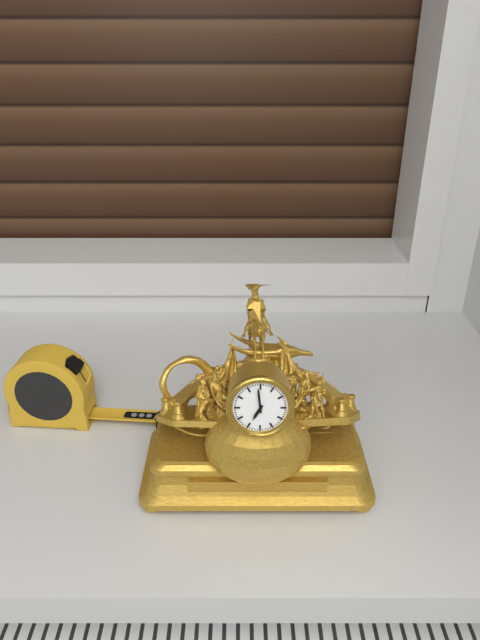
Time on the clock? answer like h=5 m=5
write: h=6 m=59
